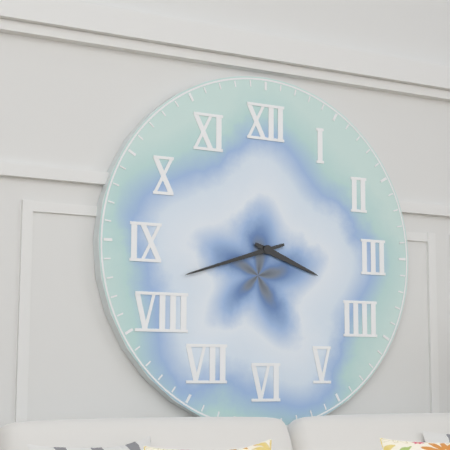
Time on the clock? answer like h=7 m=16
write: h=3 m=42
